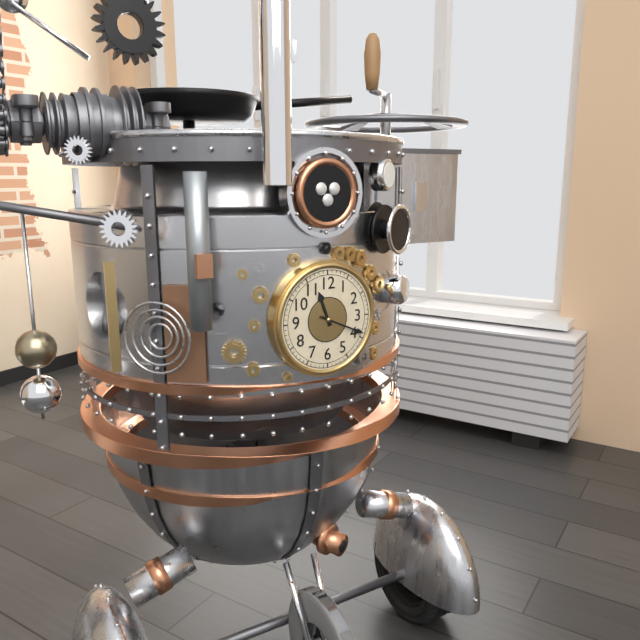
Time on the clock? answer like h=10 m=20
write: h=11 m=19
